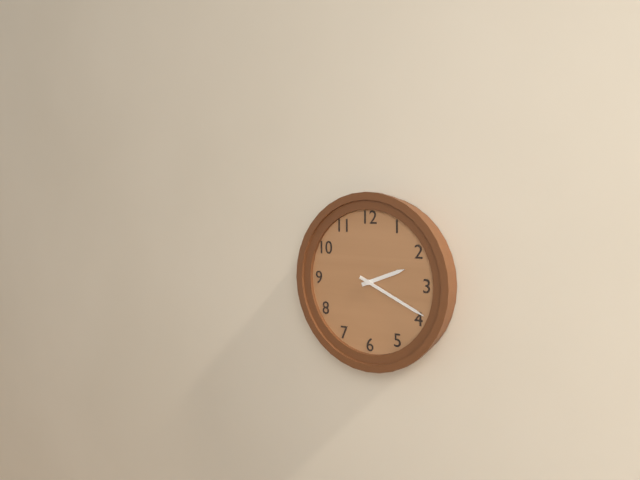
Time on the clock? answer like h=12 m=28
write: h=2 m=19
